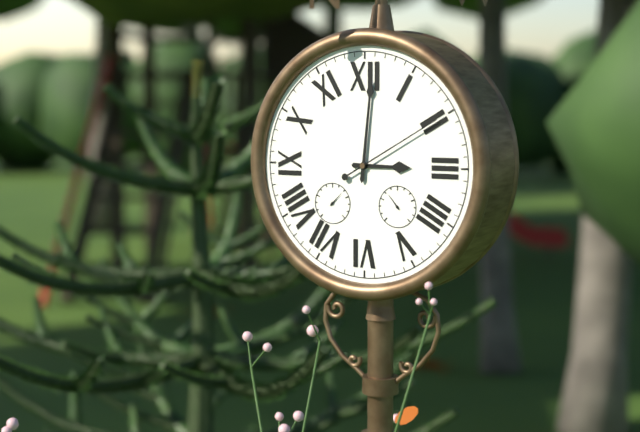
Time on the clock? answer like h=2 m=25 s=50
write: h=3 m=1 s=10
